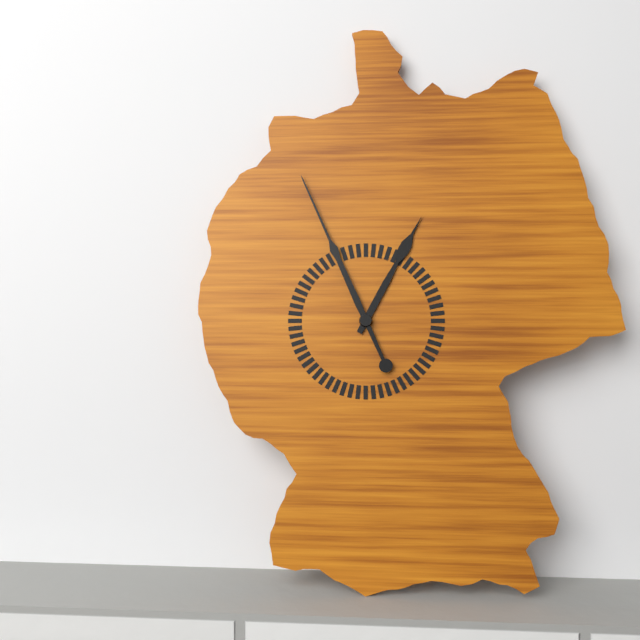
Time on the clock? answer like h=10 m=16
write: h=12 m=56
